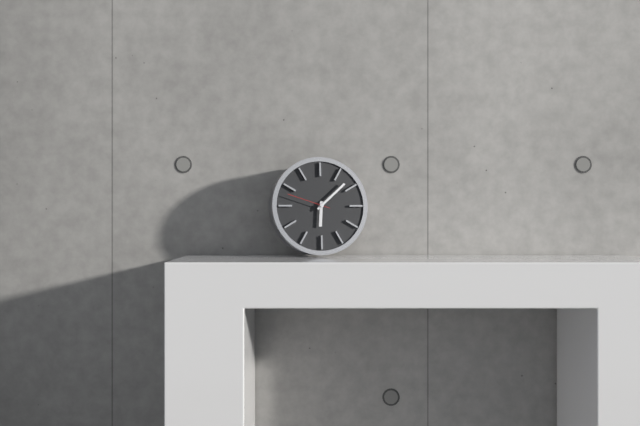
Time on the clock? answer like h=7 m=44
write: h=6 m=8
